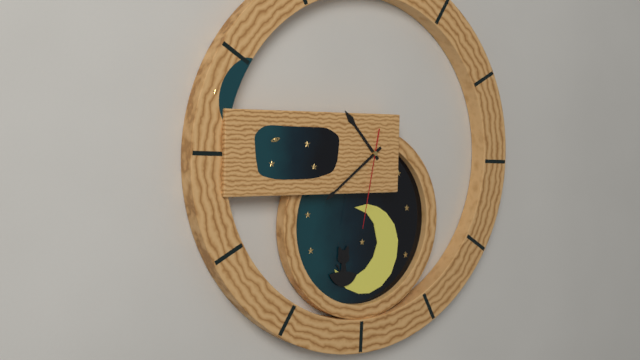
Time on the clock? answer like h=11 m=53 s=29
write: h=10 m=39 s=32
